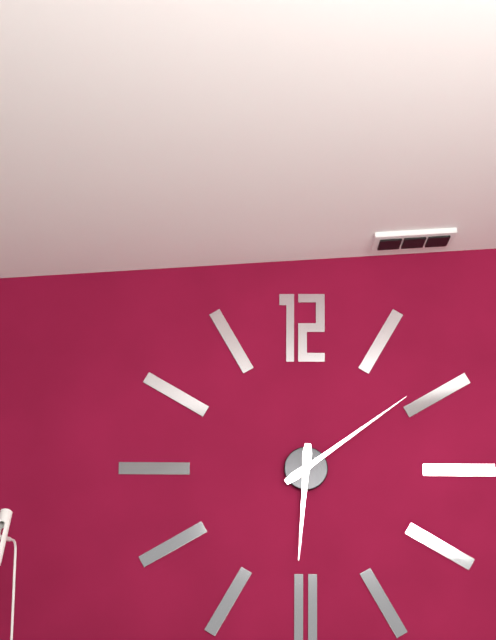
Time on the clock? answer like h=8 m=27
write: h=6 m=9
